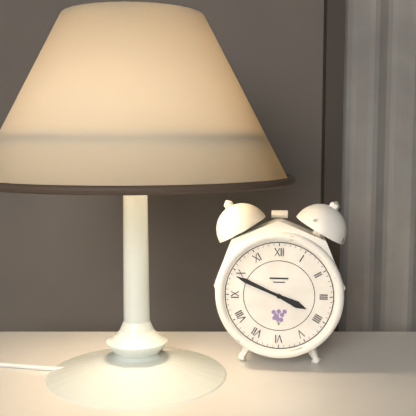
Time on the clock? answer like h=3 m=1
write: h=3 m=49
